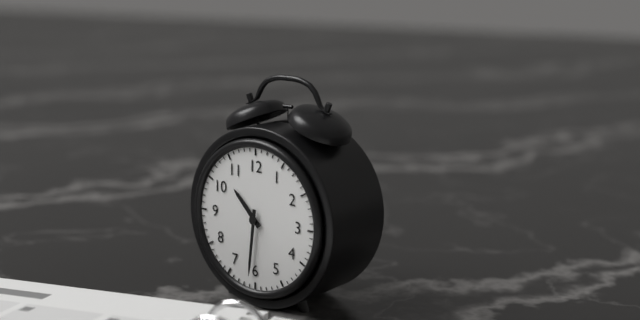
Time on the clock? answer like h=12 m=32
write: h=10 m=31
